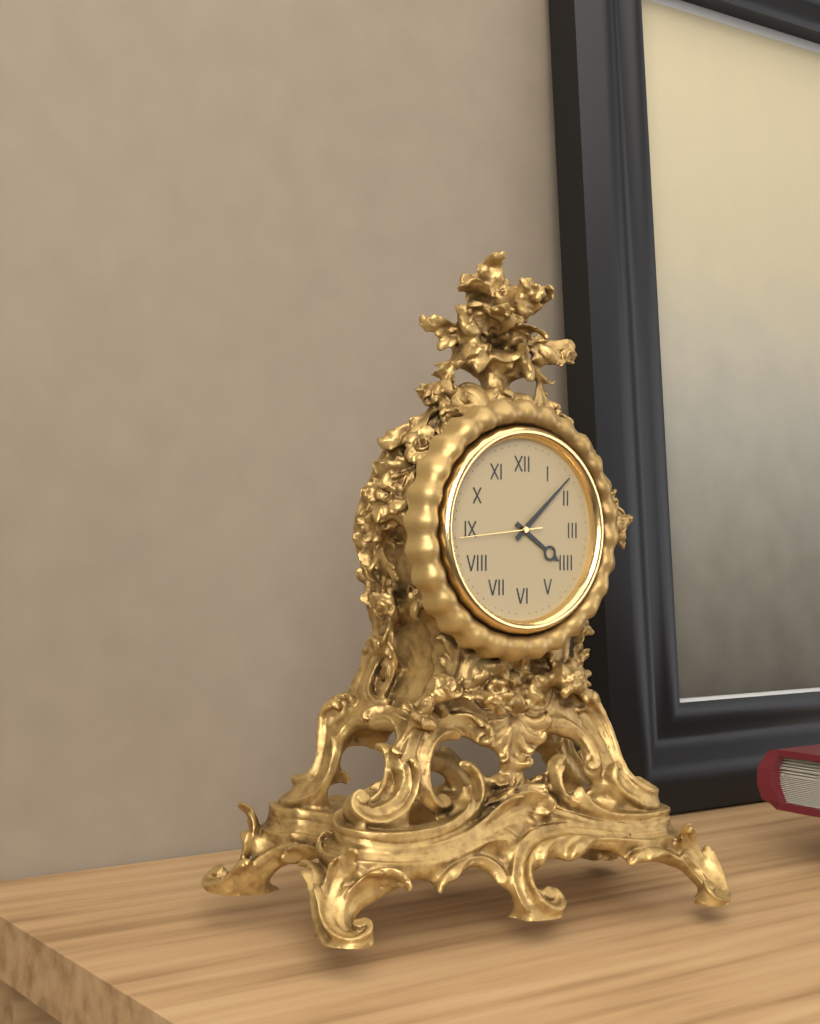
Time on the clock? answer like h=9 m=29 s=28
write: h=4 m=8 s=44
